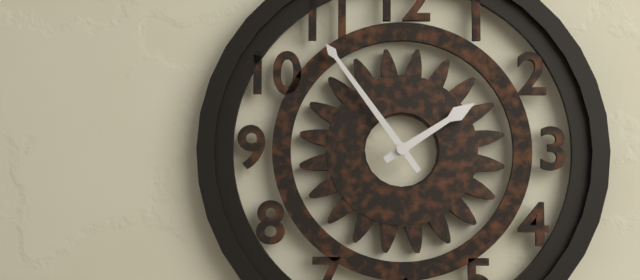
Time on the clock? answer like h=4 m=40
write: h=1 m=54
